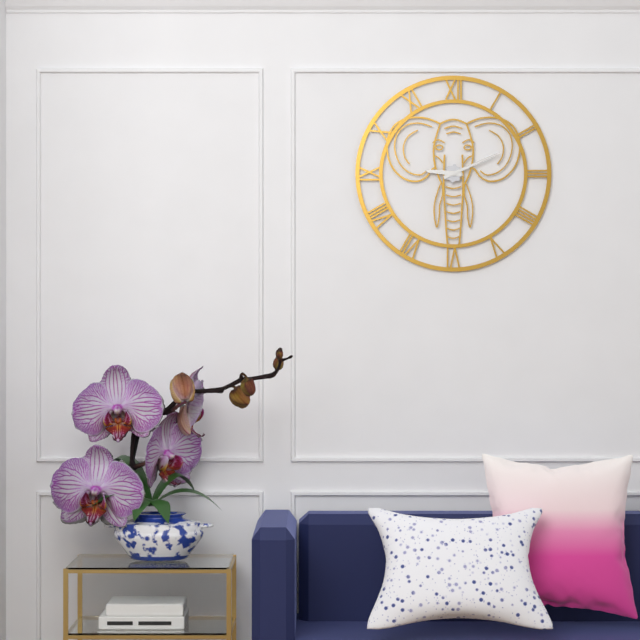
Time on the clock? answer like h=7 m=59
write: h=9 m=11
